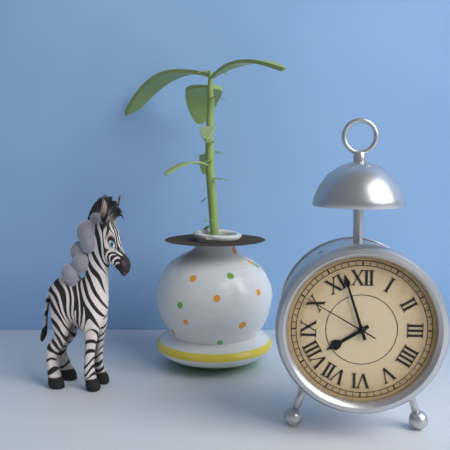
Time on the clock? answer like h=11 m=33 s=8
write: h=7 m=57 s=50
